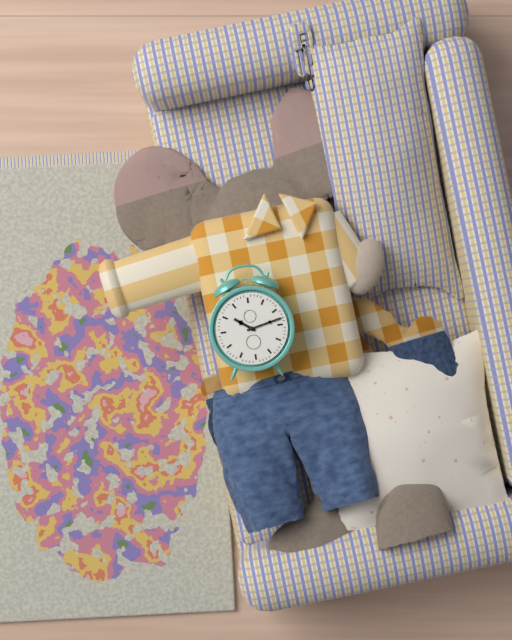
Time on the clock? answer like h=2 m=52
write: h=10 m=13
